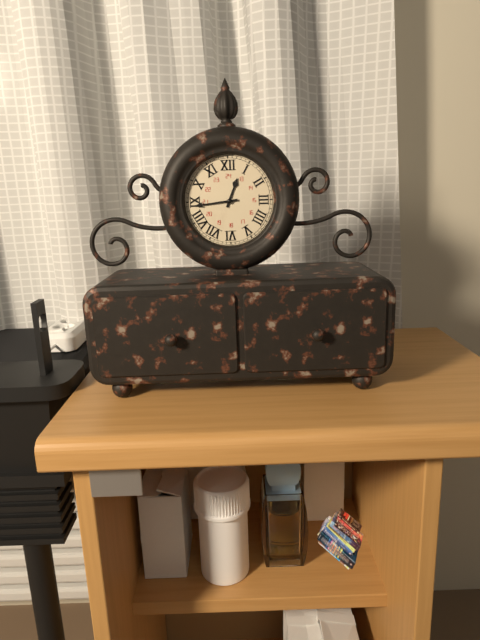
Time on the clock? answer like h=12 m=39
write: h=12 m=44
